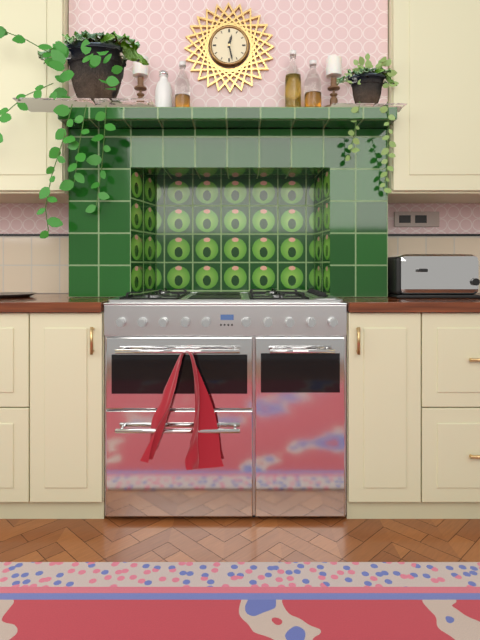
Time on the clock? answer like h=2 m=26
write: h=12 m=28
